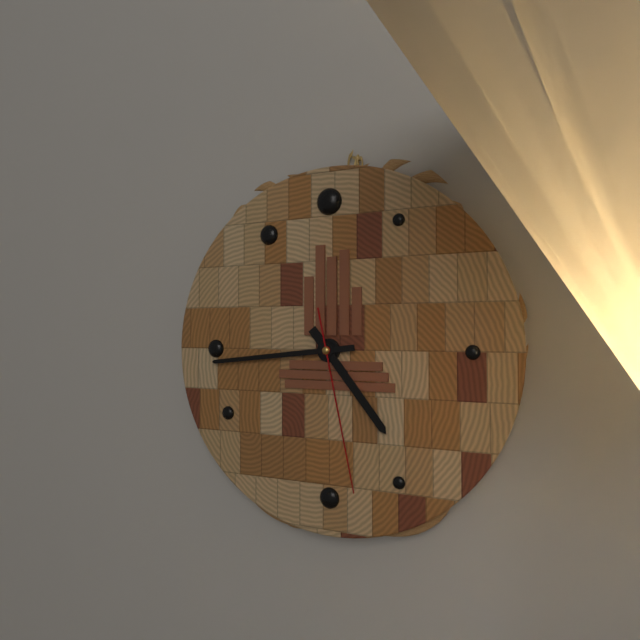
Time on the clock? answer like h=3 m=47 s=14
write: h=4 m=44 s=28
